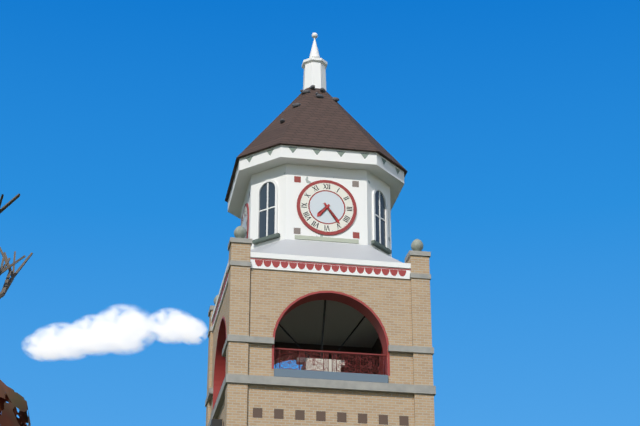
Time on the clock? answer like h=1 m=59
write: h=7 m=24
